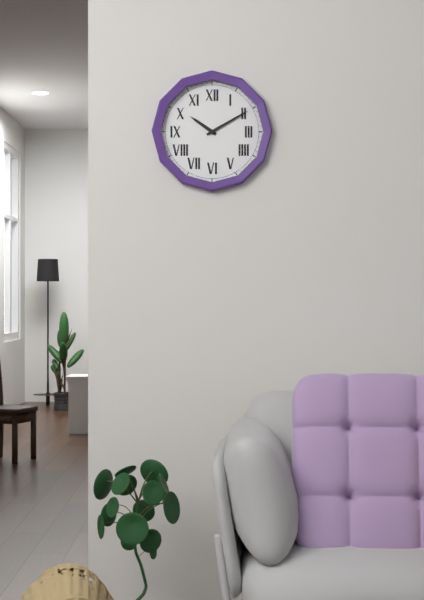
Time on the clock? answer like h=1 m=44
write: h=10 m=10
